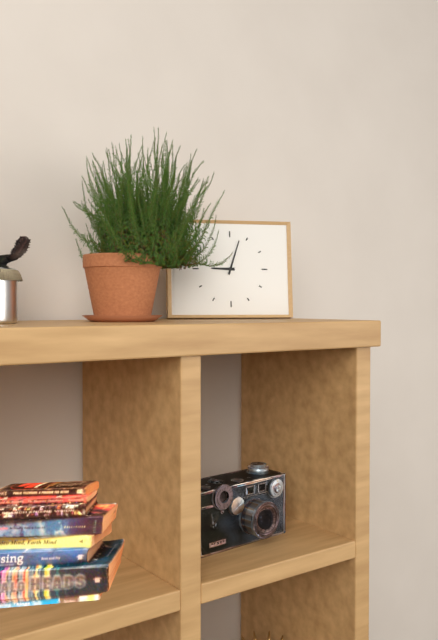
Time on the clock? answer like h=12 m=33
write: h=9 m=3
